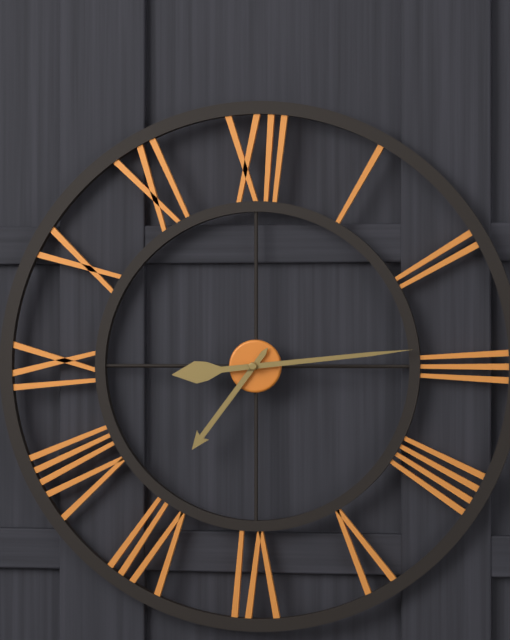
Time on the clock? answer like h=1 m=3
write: h=7 m=14
